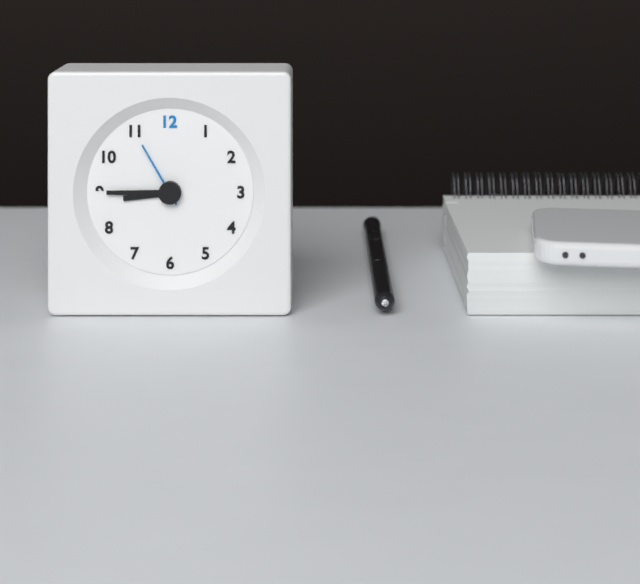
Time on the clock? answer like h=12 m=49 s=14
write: h=8 m=45 s=55
